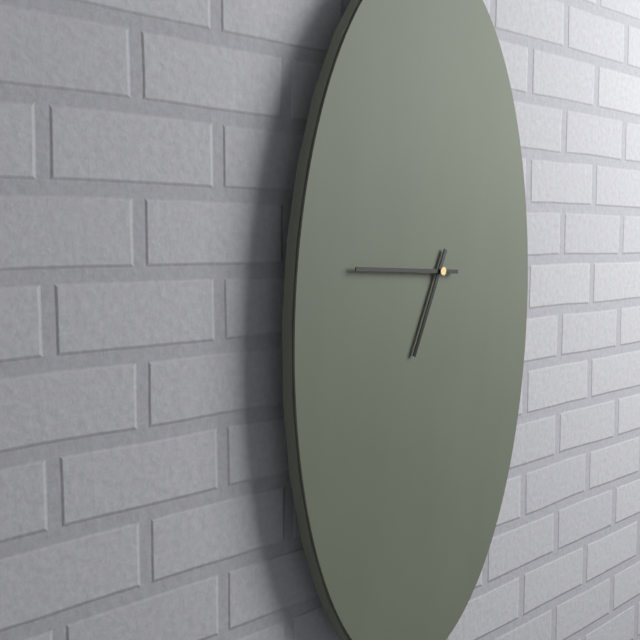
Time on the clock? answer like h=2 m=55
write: h=6 m=45
